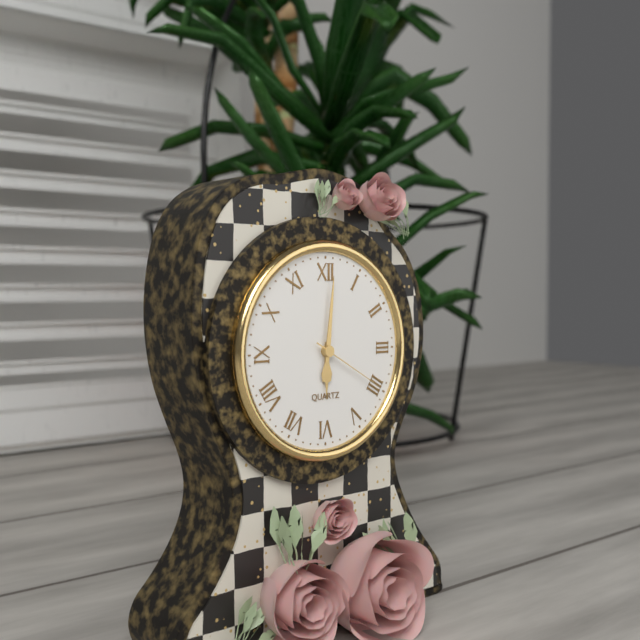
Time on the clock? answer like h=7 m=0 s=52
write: h=6 m=1 s=20
